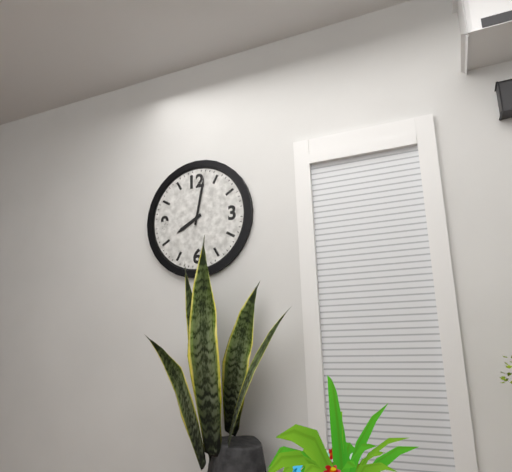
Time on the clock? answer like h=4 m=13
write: h=8 m=2
